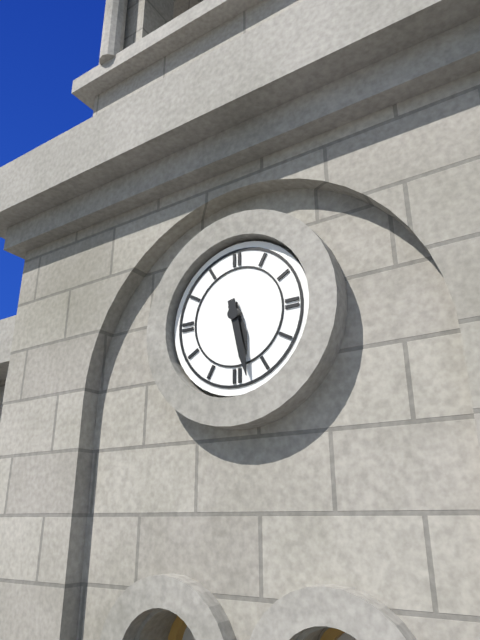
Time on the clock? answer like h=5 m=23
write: h=5 m=28
